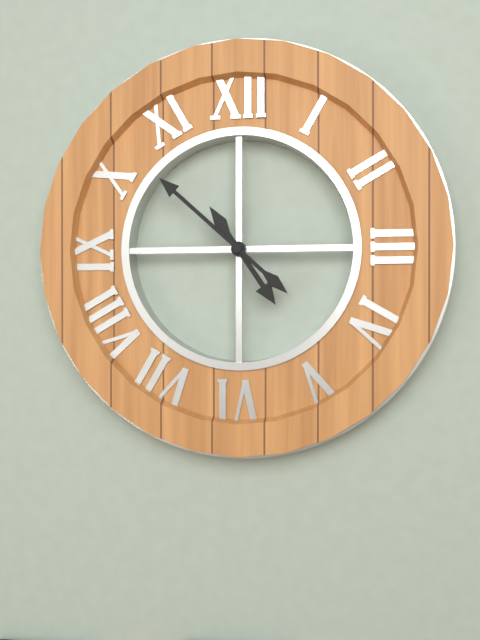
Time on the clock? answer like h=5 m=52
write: h=4 m=52
